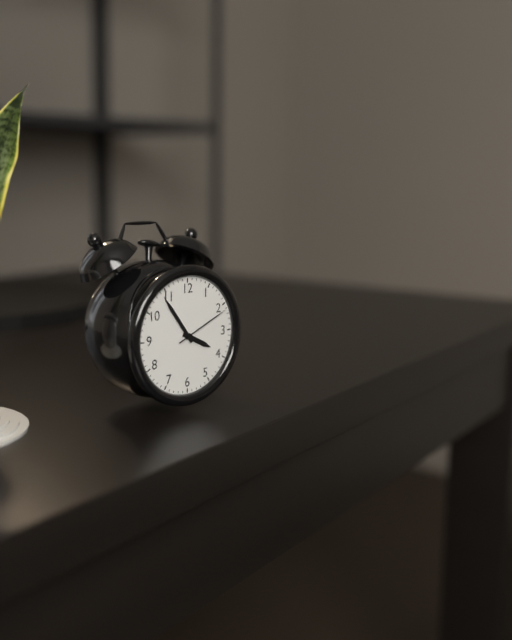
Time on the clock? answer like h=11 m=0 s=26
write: h=3 m=54 s=11
